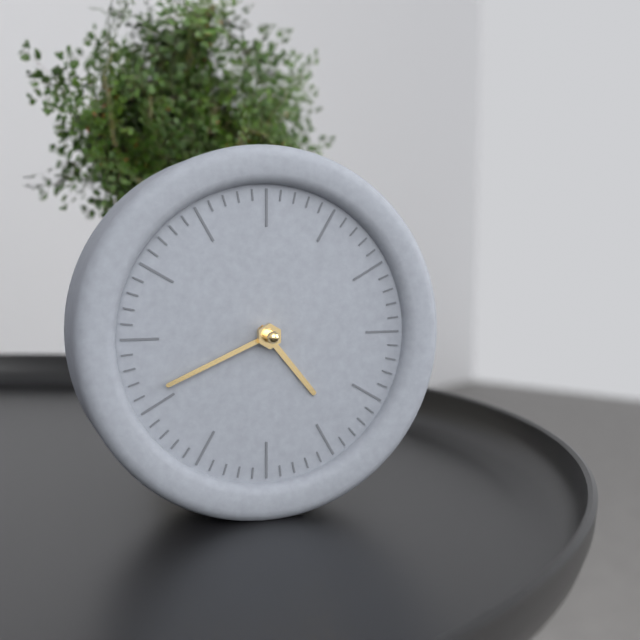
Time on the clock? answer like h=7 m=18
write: h=4 m=41
